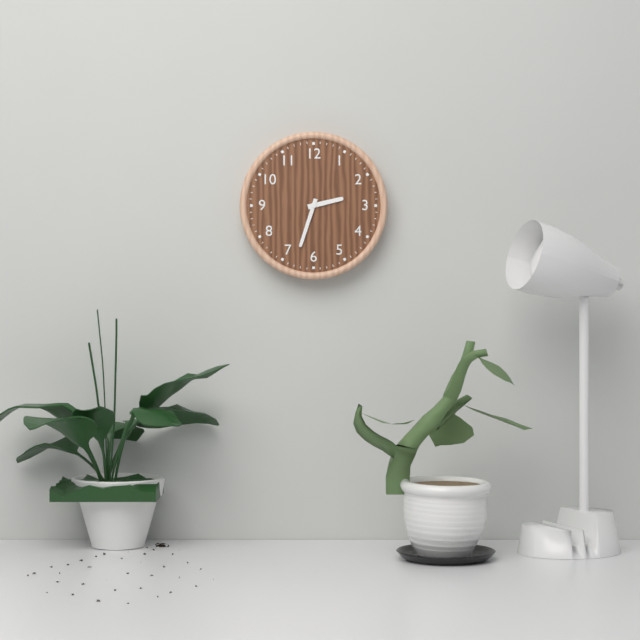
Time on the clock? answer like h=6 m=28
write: h=2 m=33
